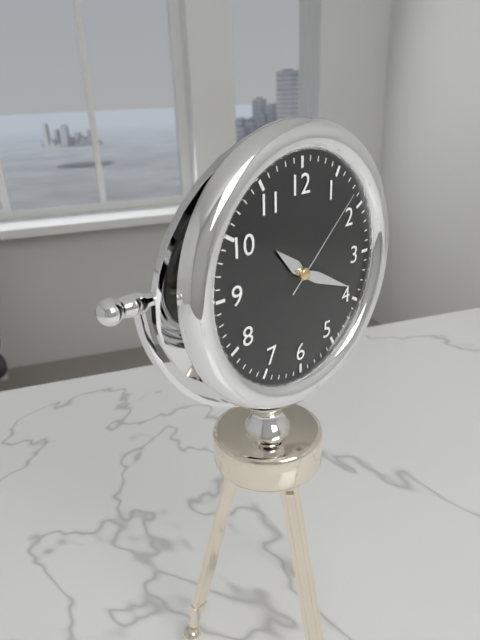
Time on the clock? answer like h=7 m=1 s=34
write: h=10 m=19 s=8
